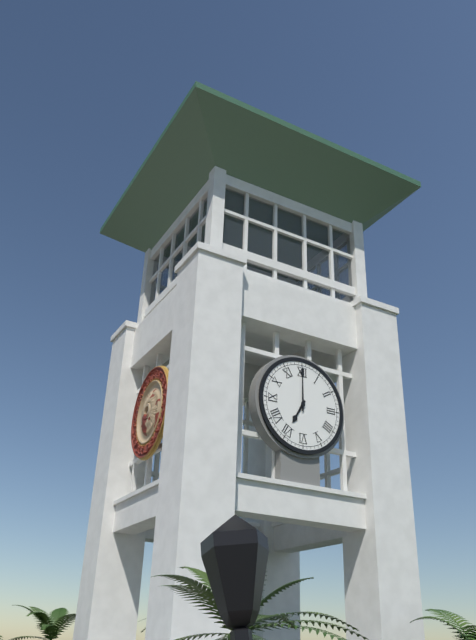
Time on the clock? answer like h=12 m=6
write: h=7 m=0
